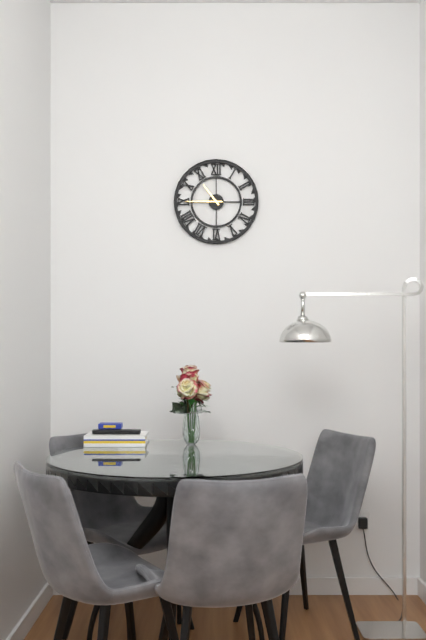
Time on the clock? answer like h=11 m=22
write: h=10 m=45
